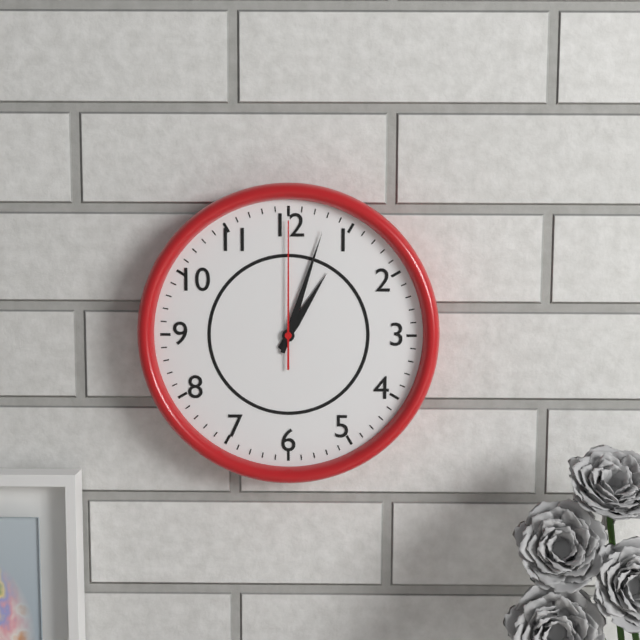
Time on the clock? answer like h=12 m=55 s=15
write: h=1 m=3 s=0
